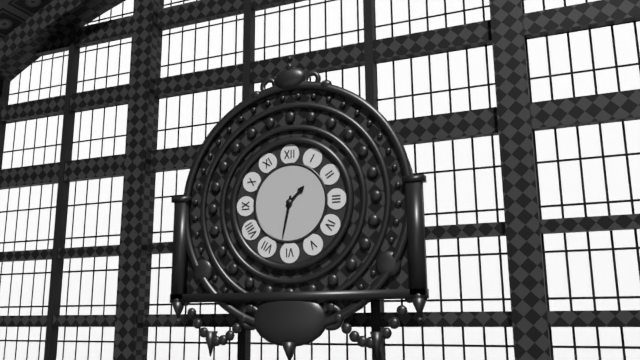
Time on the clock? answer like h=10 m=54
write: h=1 m=32
